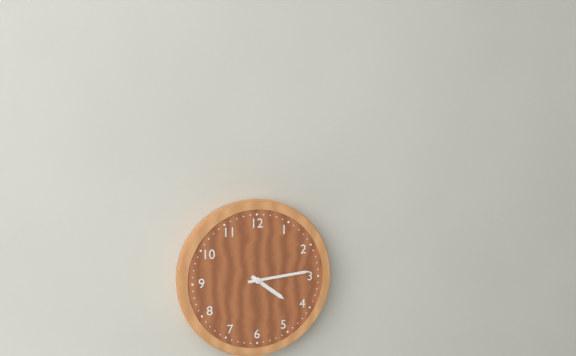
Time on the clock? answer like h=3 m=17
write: h=4 m=14
